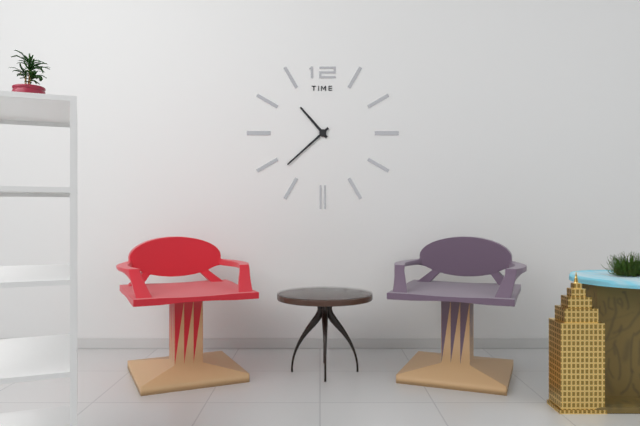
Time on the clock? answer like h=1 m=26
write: h=10 m=38
